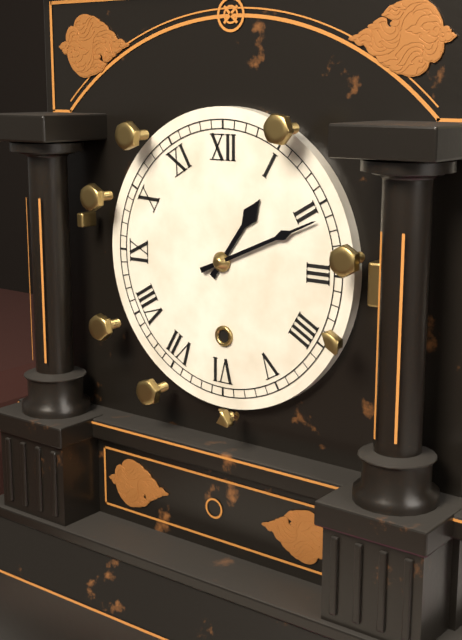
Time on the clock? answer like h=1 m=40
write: h=1 m=11
